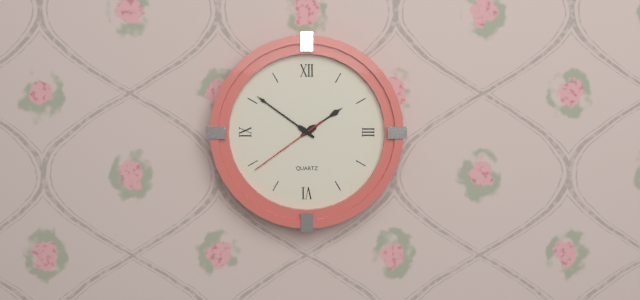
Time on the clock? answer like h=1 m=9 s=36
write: h=1 m=51 s=39
